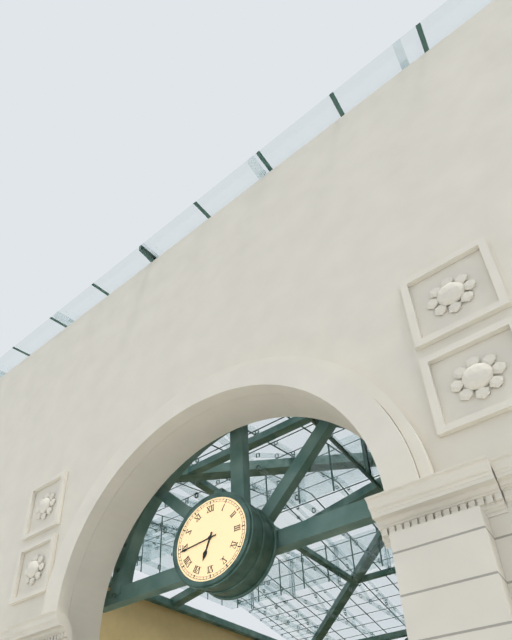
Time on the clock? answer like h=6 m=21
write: h=6 m=44
